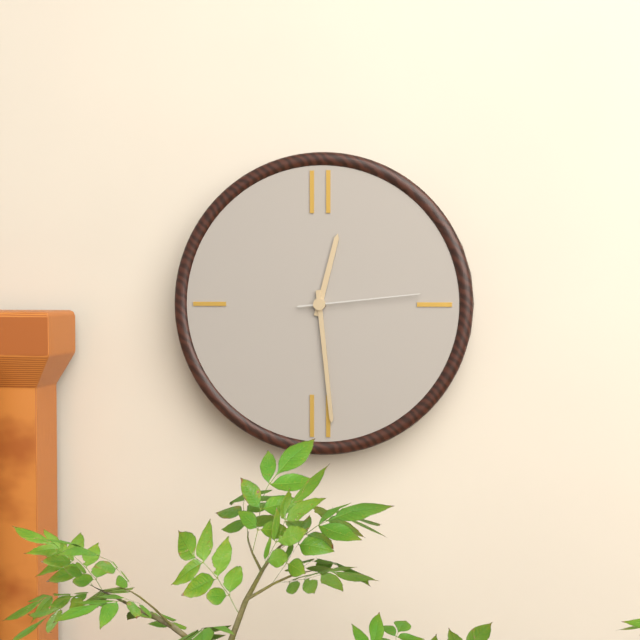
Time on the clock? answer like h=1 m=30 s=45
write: h=12 m=29 s=14
